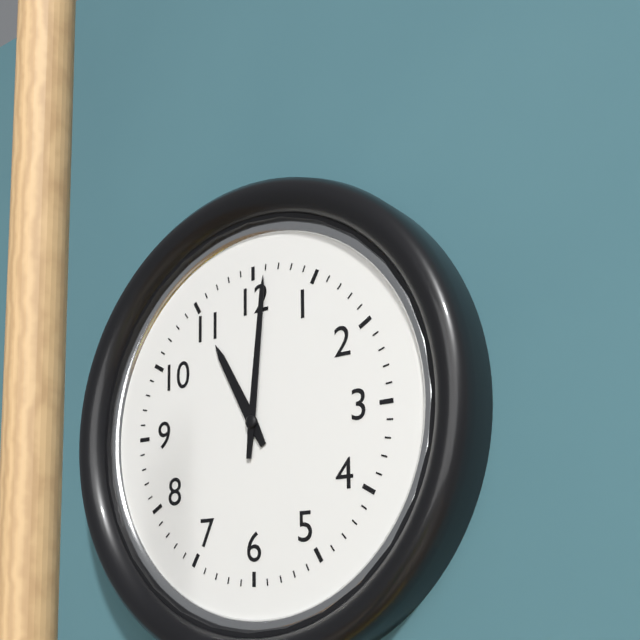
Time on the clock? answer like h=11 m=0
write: h=11 m=1
